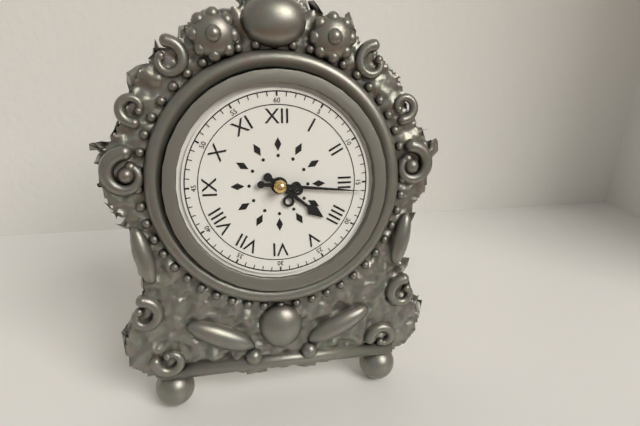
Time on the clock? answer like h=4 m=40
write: h=4 m=16
